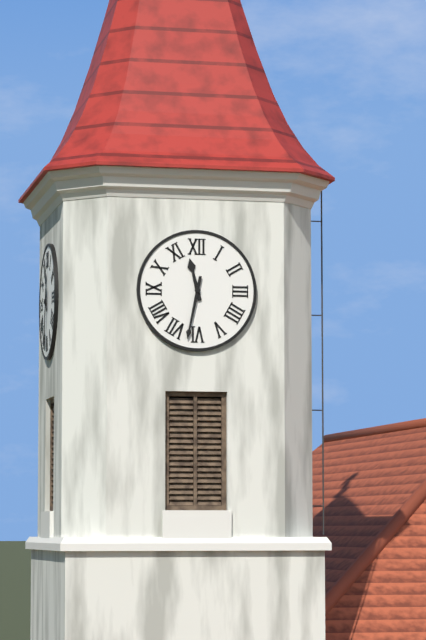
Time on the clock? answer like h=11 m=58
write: h=11 m=32
